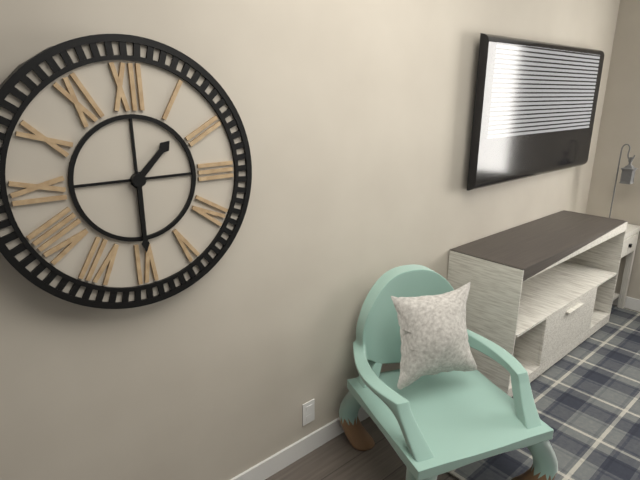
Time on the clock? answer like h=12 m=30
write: h=1 m=30
